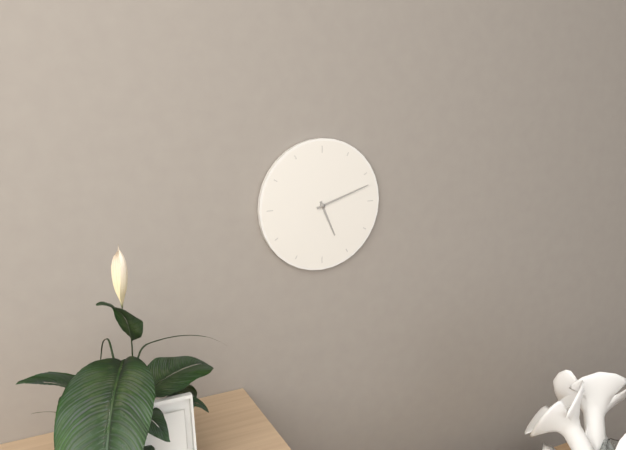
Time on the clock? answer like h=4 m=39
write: h=5 m=12
